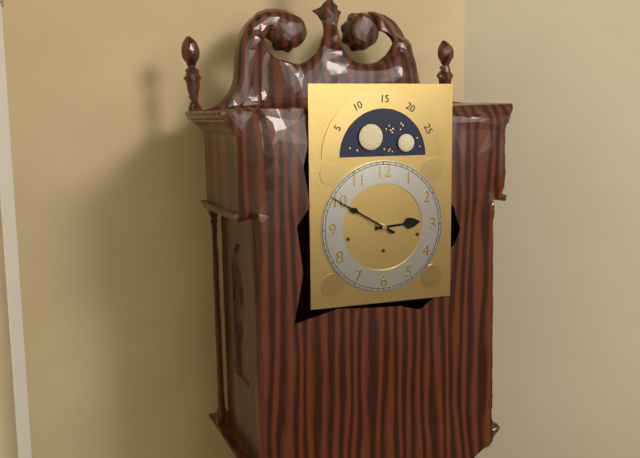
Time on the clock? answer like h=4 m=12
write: h=2 m=50
